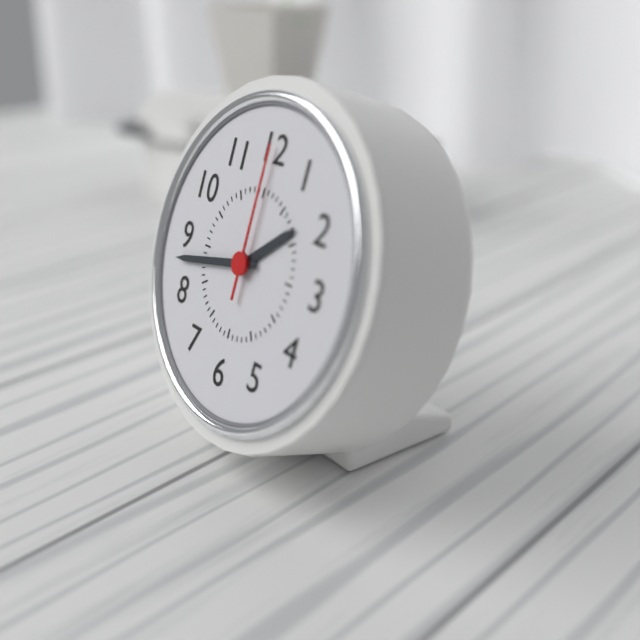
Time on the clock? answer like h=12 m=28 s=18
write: h=1 m=43 s=0
